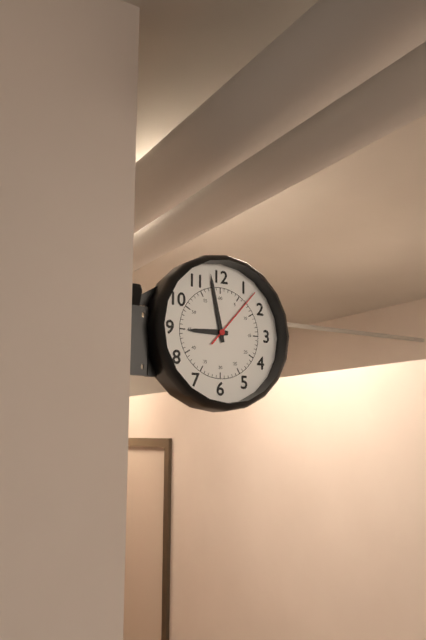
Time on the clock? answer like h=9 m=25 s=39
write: h=8 m=58 s=7
